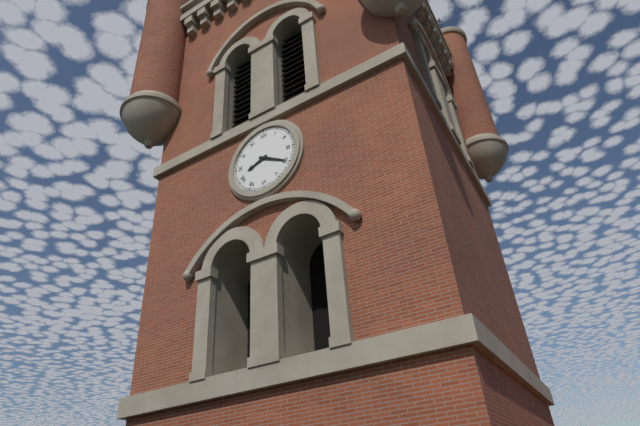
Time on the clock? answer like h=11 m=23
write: h=8 m=20
